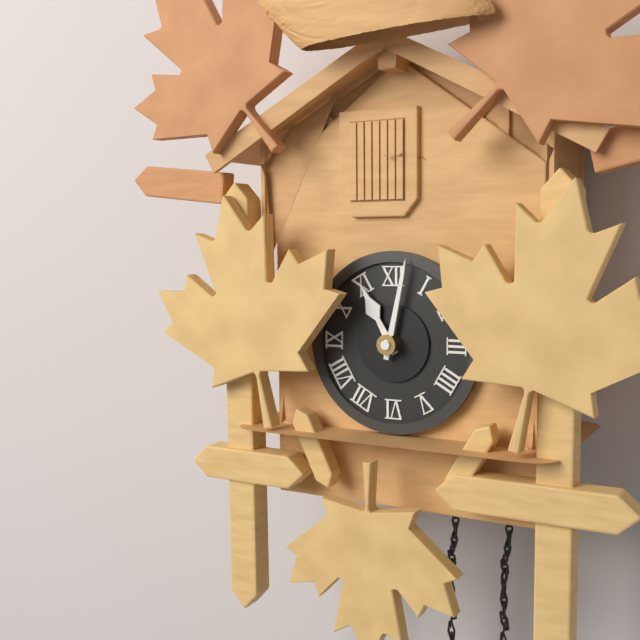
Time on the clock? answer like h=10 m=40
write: h=11 m=2
